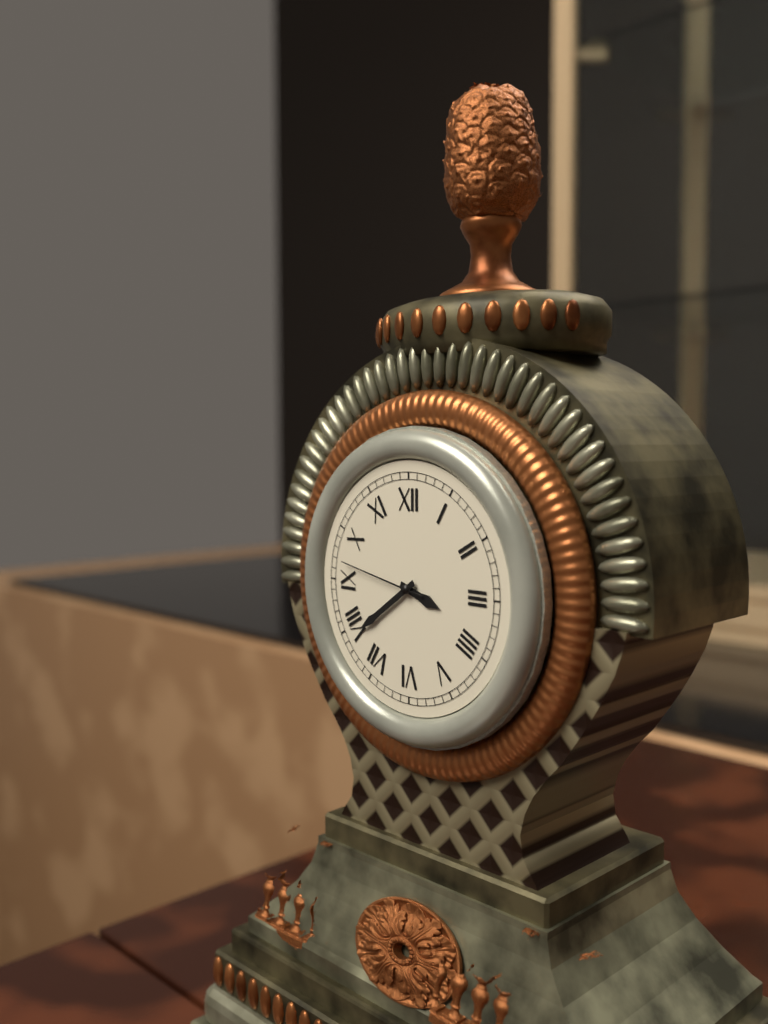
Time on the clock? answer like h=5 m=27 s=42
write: h=3 m=39 s=47
